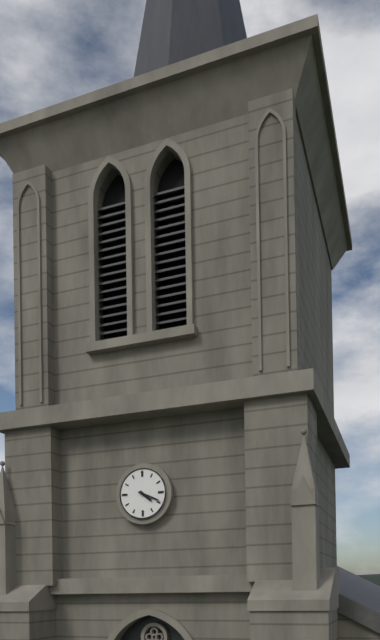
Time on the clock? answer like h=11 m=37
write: h=4 m=19
